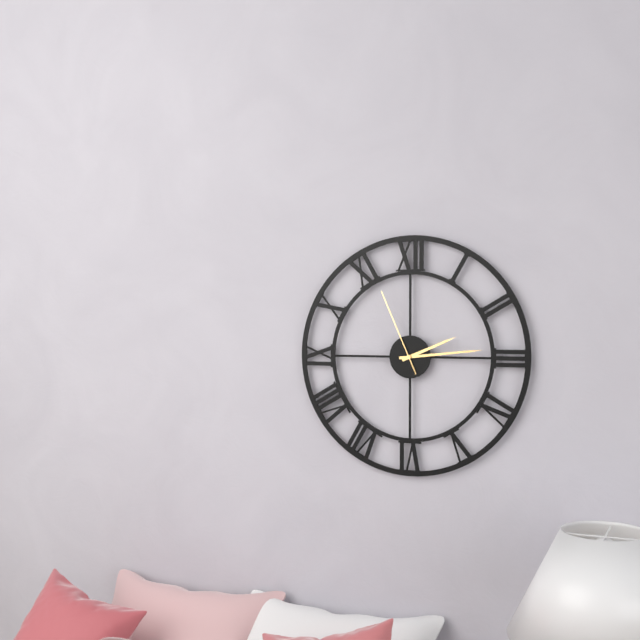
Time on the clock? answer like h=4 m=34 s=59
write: h=2 m=14 s=56
